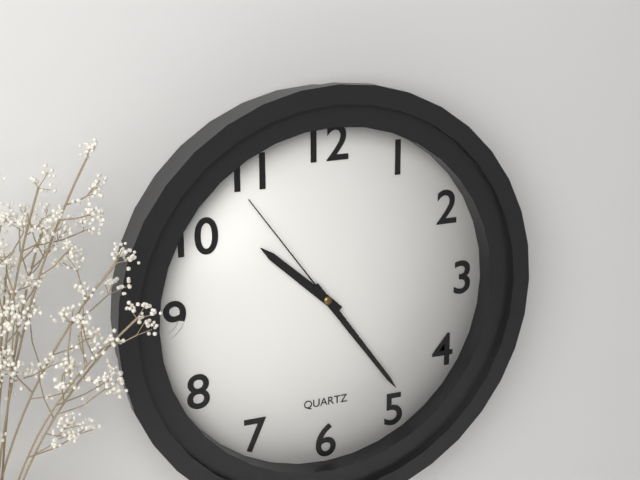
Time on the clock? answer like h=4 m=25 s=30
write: h=10 m=24 s=54
